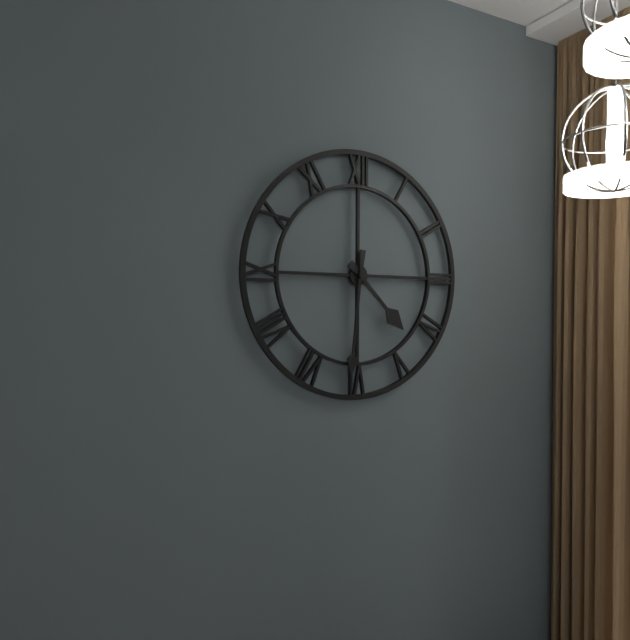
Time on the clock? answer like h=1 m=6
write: h=4 m=31
